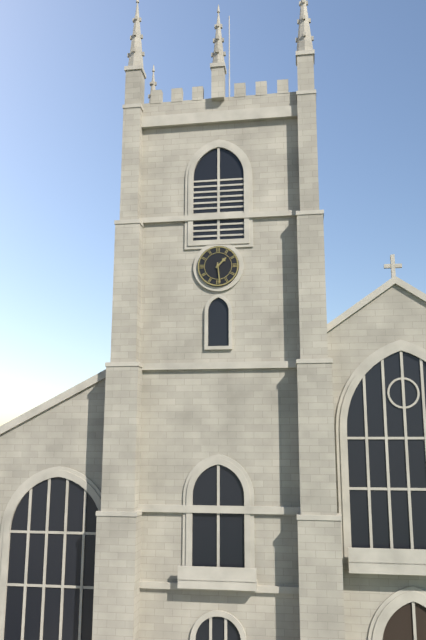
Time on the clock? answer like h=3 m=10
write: h=1 m=29
